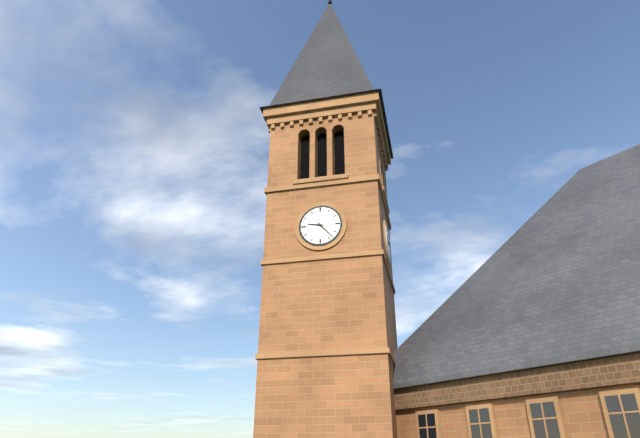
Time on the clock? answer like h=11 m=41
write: h=9 m=23
